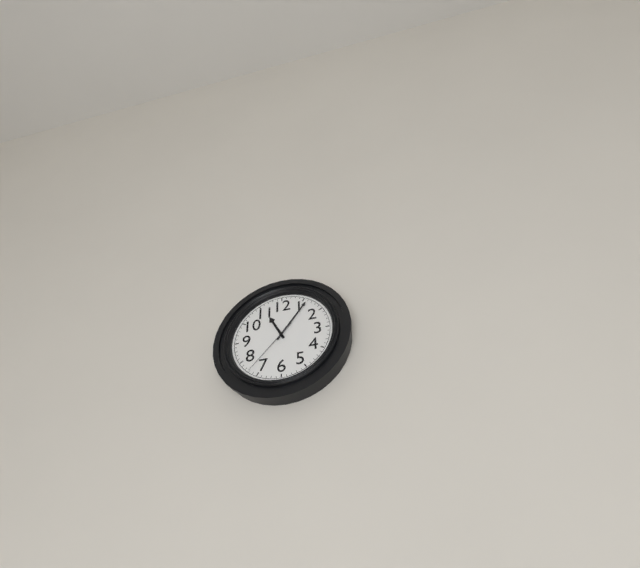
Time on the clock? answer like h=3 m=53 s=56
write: h=11 m=6 s=37
